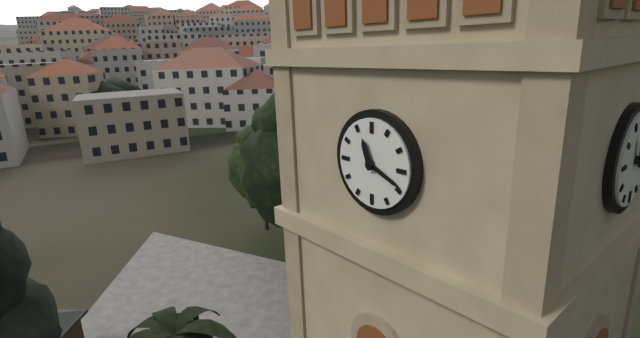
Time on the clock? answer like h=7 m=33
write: h=11 m=19
